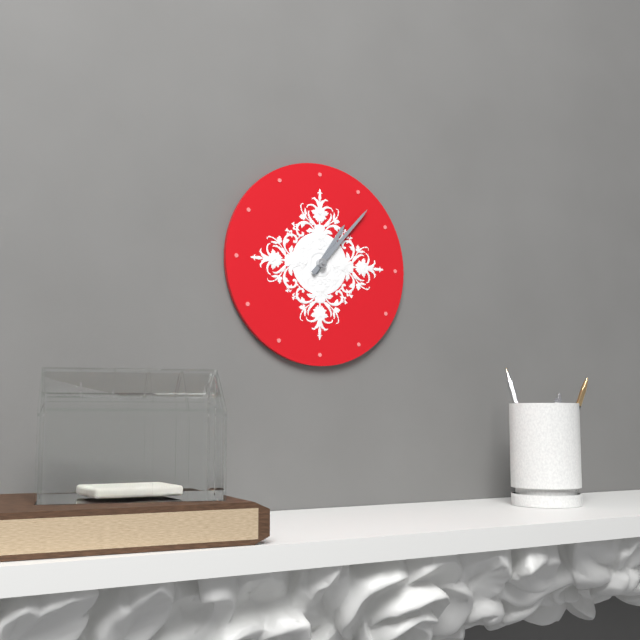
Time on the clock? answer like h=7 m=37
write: h=1 m=7
